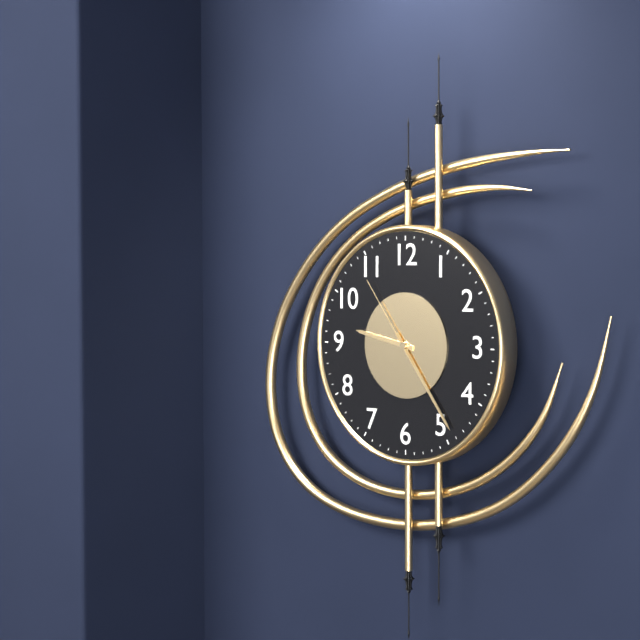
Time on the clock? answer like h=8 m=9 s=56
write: h=9 m=24 s=54
